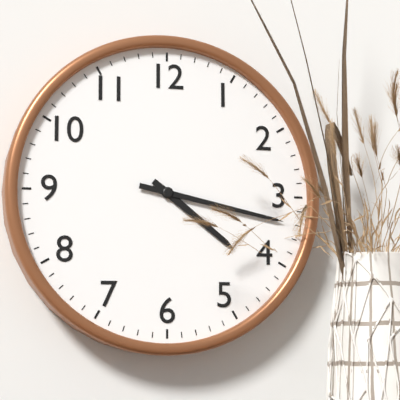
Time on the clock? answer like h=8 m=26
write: h=4 m=17
